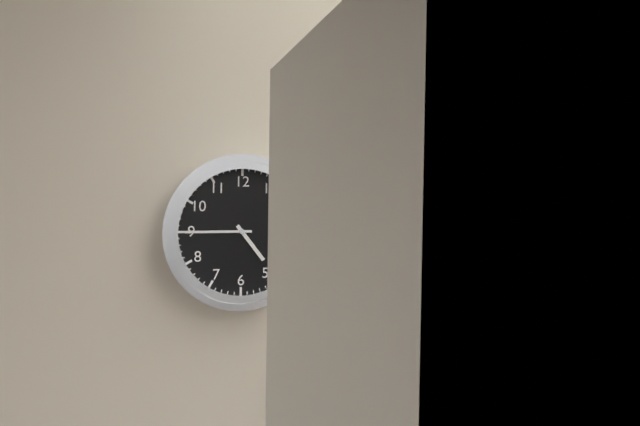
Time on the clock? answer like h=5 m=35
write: h=4 m=45
